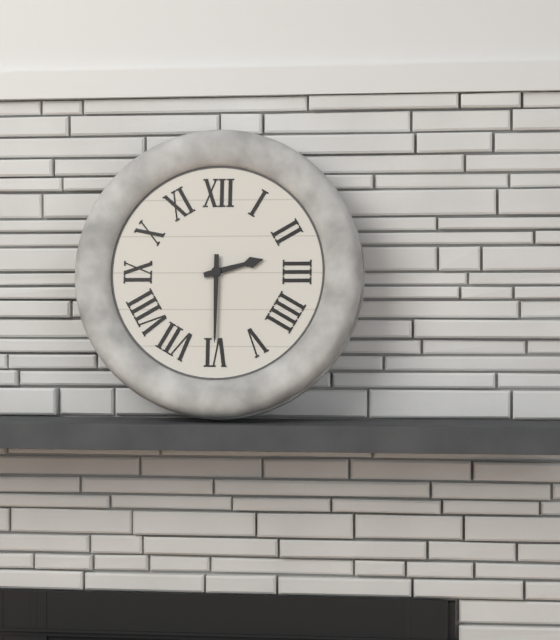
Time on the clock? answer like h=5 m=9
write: h=2 m=30
